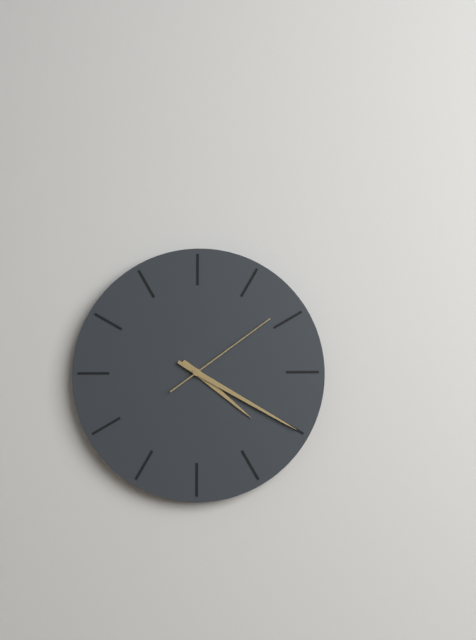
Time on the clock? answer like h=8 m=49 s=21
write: h=4 m=20 s=9
